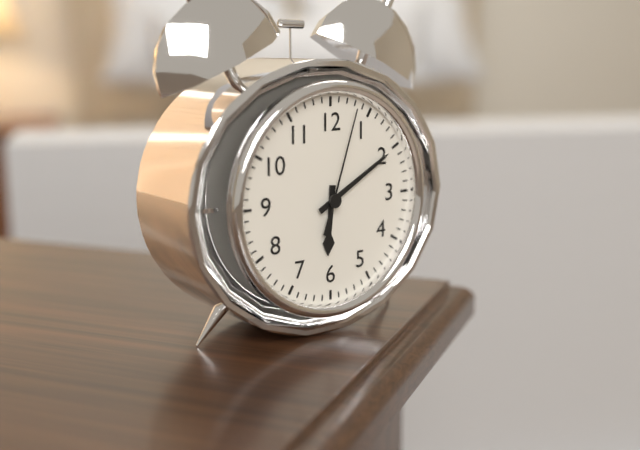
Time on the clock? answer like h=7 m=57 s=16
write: h=6 m=10 s=3
